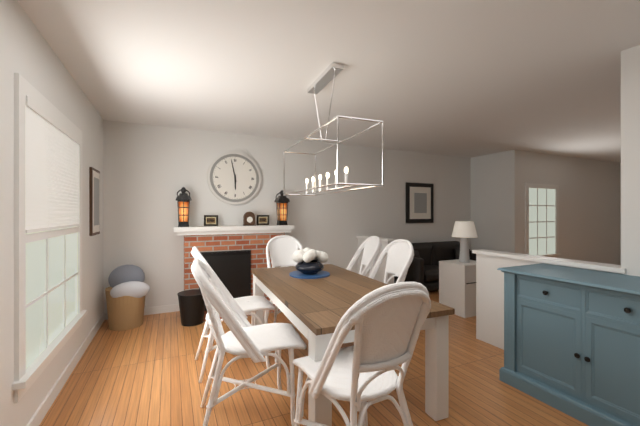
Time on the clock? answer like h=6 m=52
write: h=5 m=58
